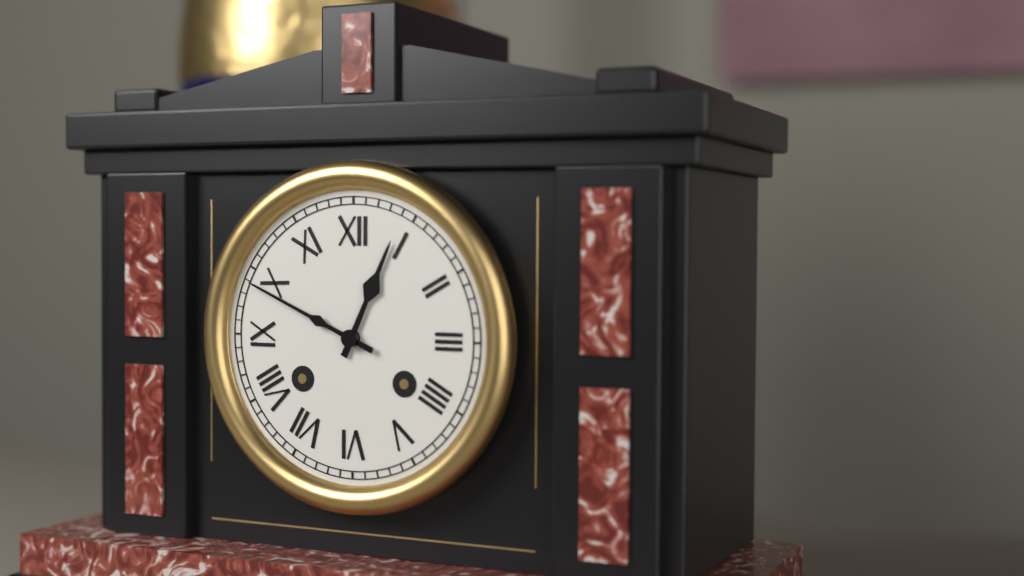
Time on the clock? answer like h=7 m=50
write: h=12 m=49
